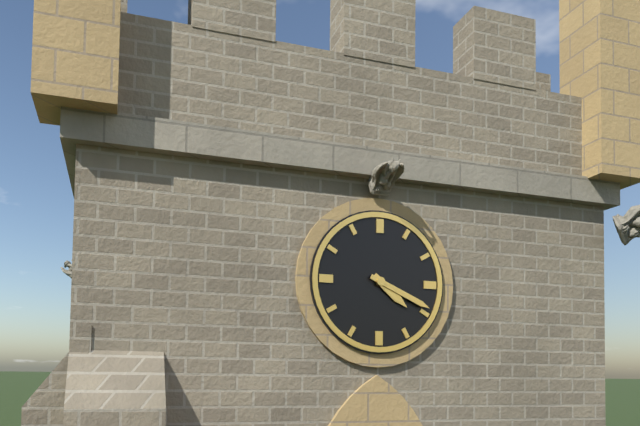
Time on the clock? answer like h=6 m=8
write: h=4 m=19
